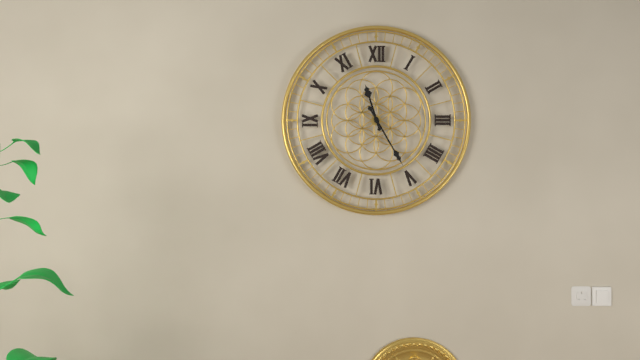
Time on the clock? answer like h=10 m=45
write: h=11 m=25
